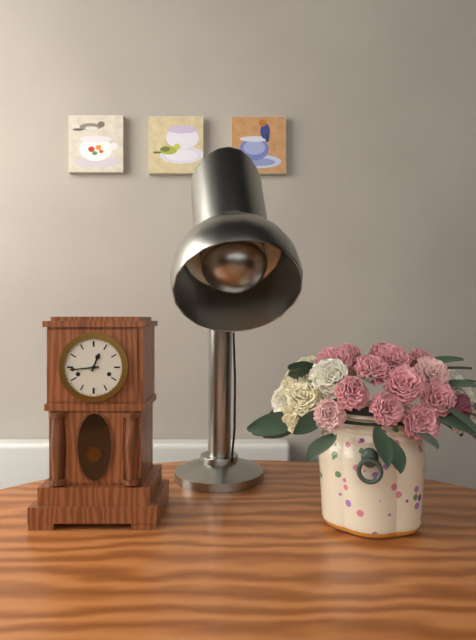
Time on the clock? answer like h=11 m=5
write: h=12 m=44
